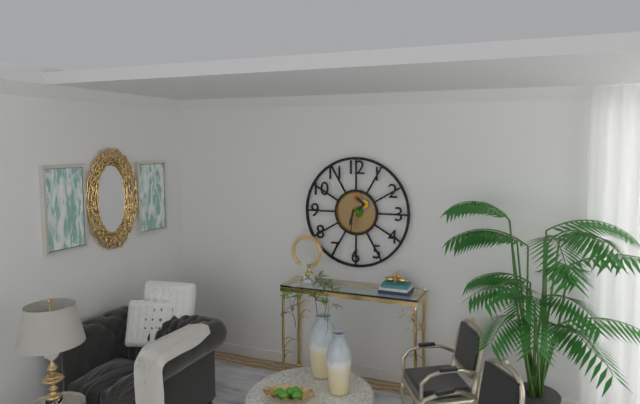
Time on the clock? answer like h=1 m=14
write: h=6 m=31
